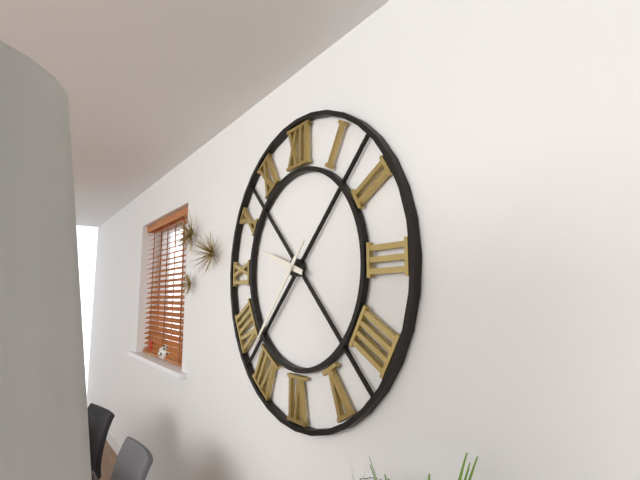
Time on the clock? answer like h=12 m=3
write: h=9 m=37
